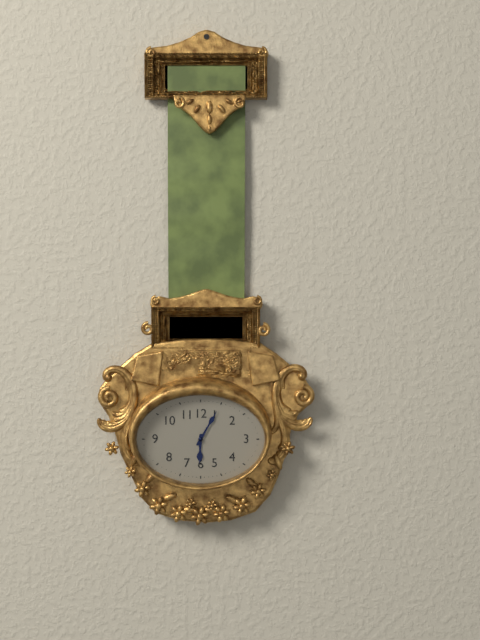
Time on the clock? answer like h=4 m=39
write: h=6 m=5
